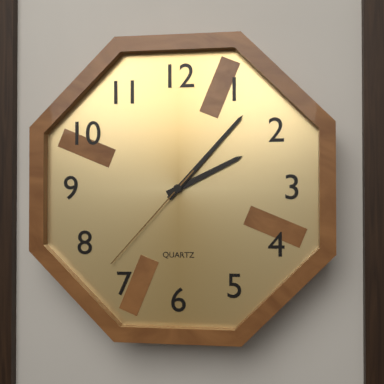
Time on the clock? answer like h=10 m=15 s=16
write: h=2 m=7 s=37
